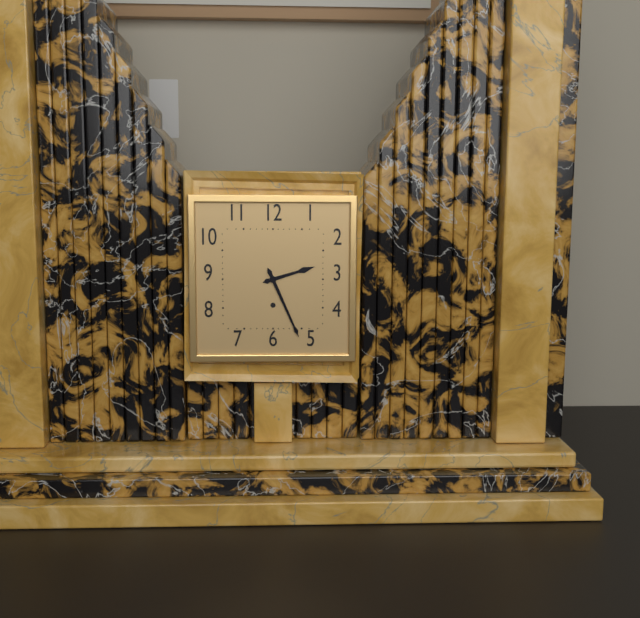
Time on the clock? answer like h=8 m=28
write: h=2 m=26
